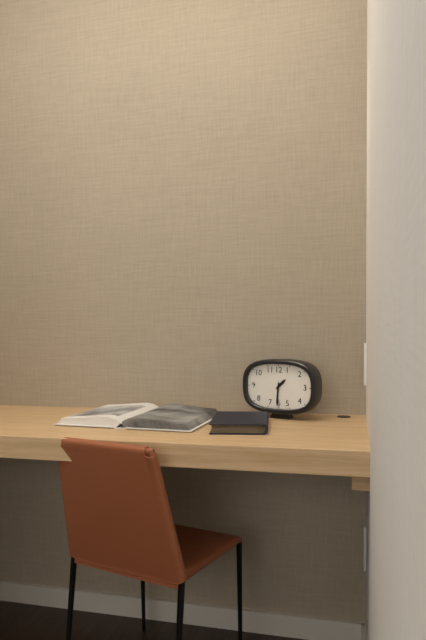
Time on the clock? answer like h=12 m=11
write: h=1 m=31
